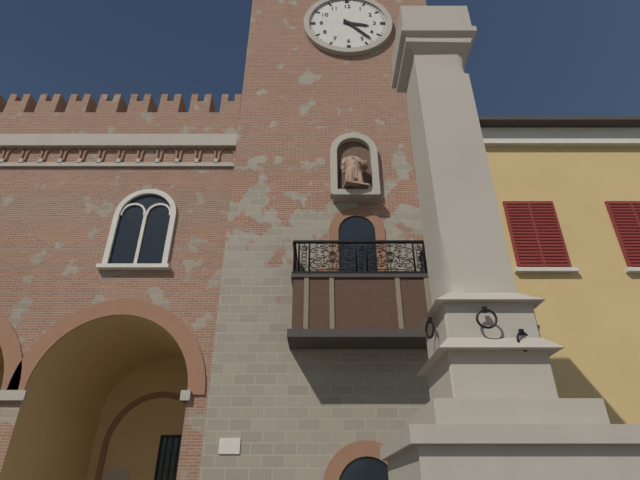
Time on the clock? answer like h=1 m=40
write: h=3 m=23
